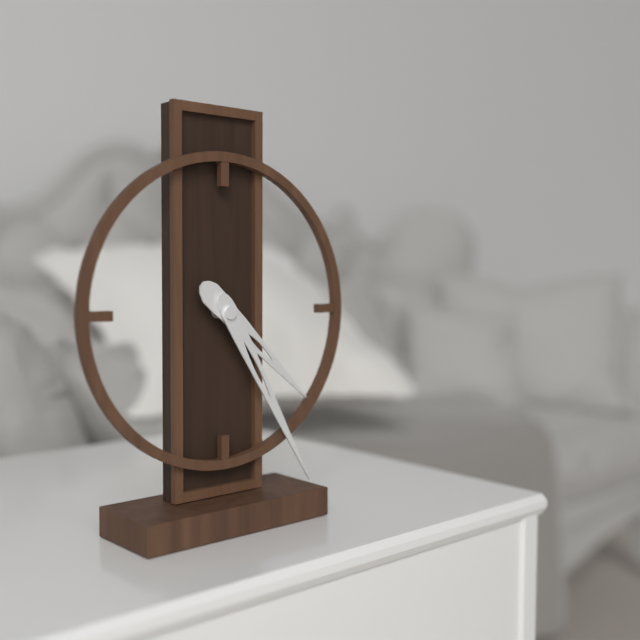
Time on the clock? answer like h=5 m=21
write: h=4 m=25
